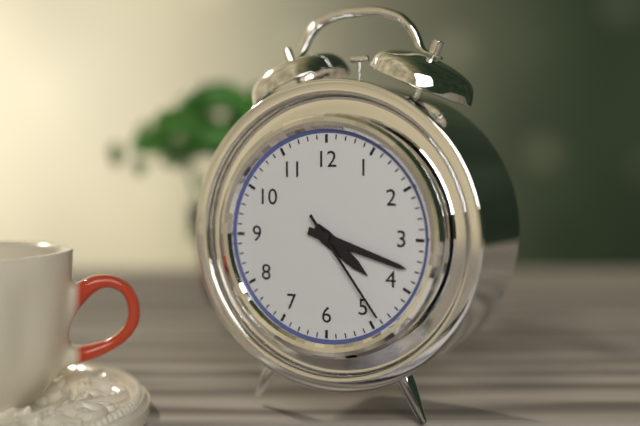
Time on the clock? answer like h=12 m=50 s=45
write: h=4 m=18 s=24
